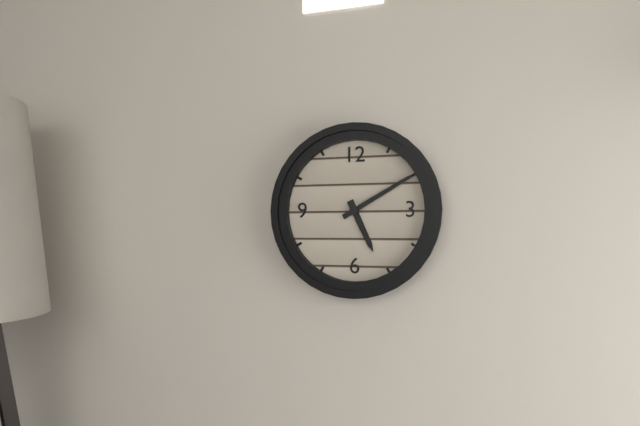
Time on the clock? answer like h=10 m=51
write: h=5 m=10
